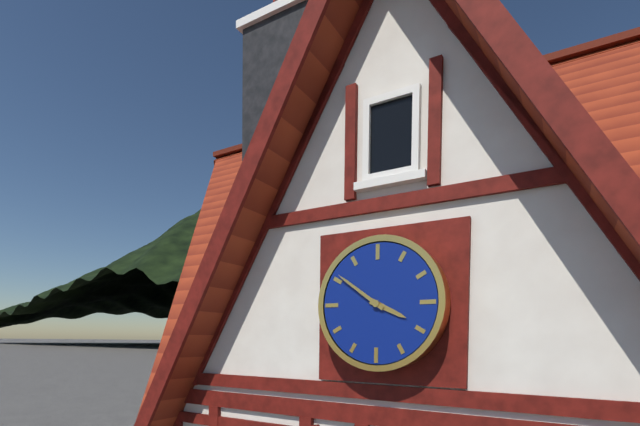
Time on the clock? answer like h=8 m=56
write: h=3 m=51
